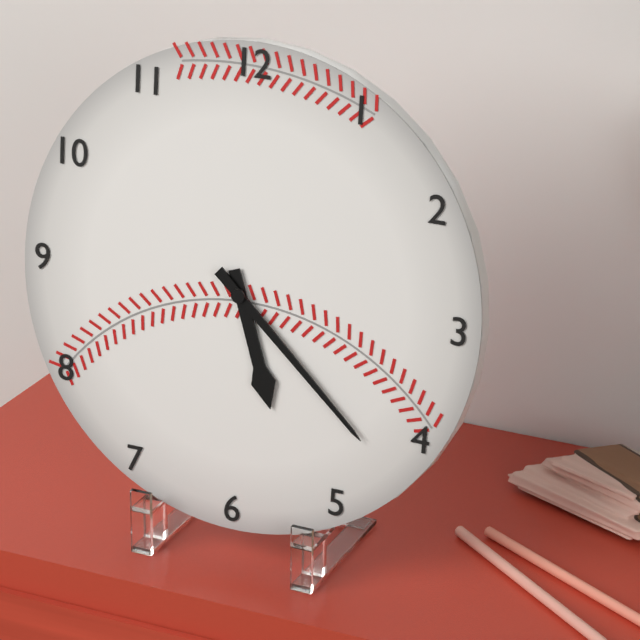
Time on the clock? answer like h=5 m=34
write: h=5 m=22
